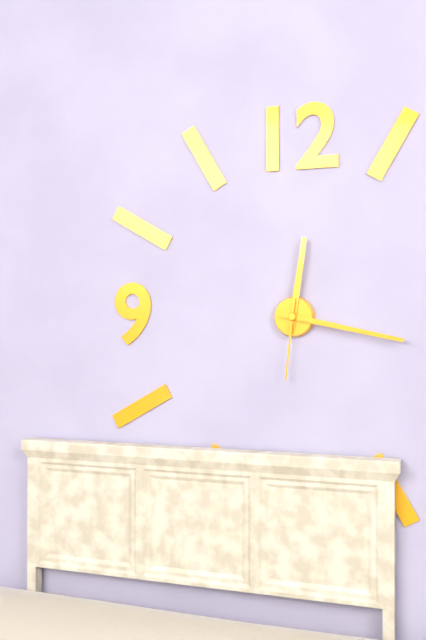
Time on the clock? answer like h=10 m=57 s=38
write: h=12 m=17 s=31
